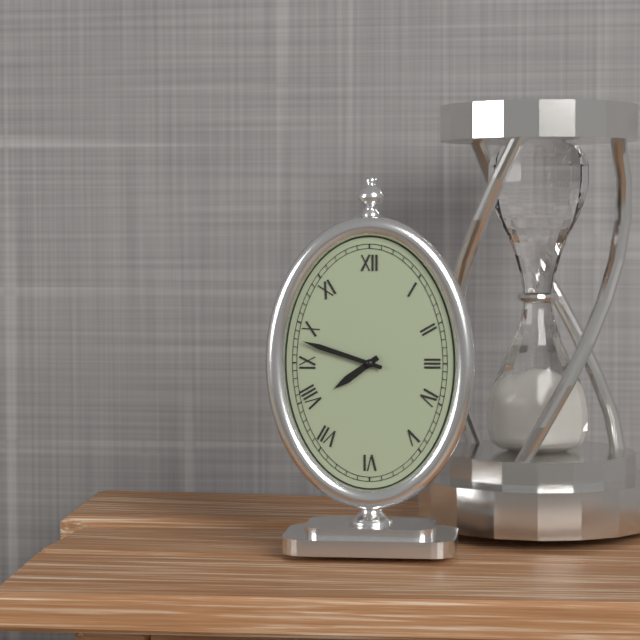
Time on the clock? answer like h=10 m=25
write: h=7 m=48
